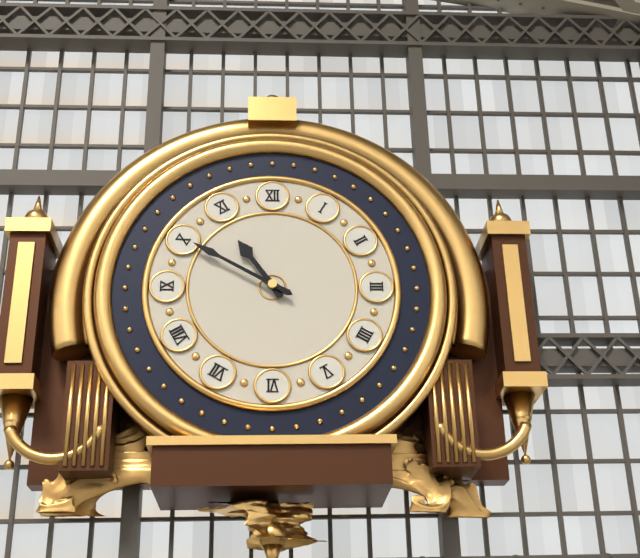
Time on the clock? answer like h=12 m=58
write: h=10 m=50
